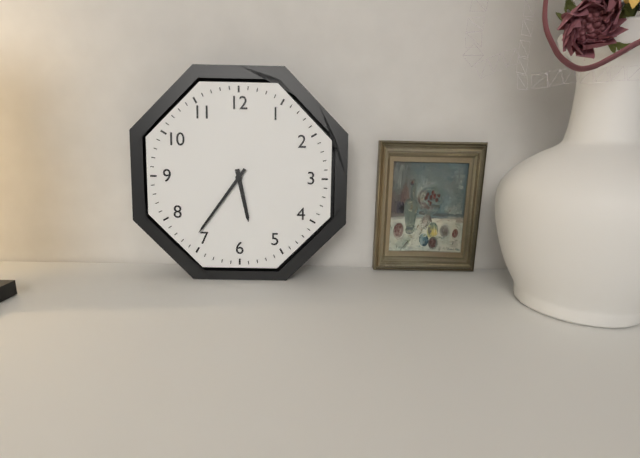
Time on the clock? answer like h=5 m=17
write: h=5 m=36
